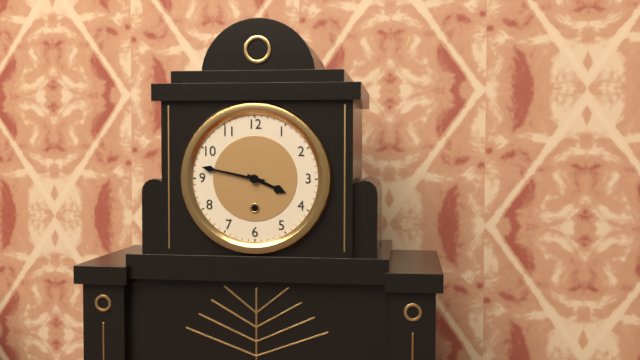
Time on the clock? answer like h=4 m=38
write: h=3 m=47
